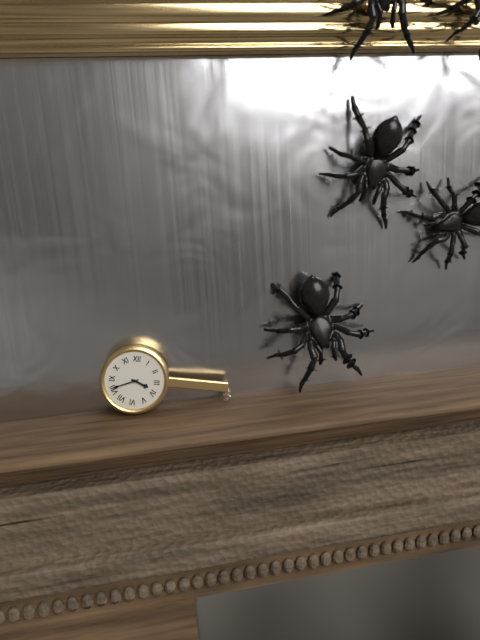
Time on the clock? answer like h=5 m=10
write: h=3 m=41
